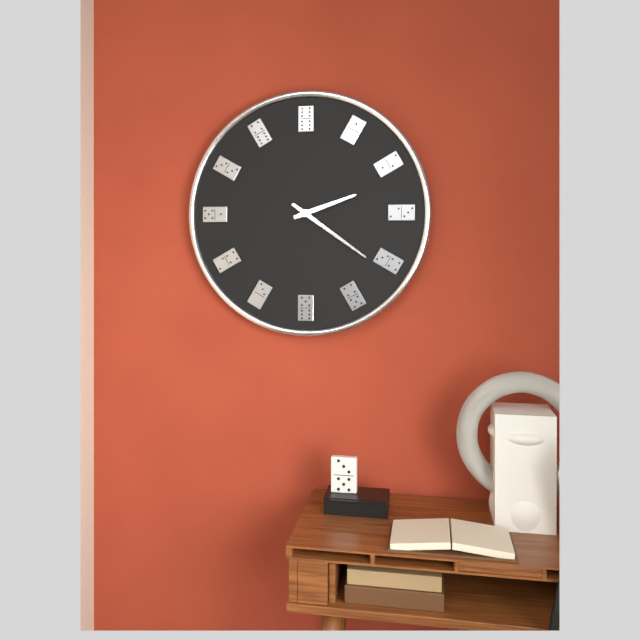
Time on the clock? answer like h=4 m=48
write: h=2 m=21
